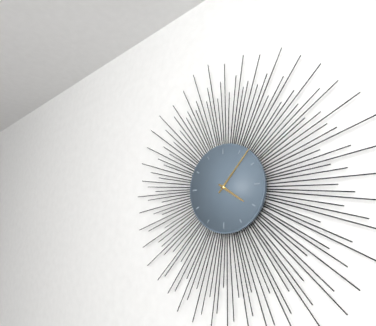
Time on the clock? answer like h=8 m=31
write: h=4 m=7
